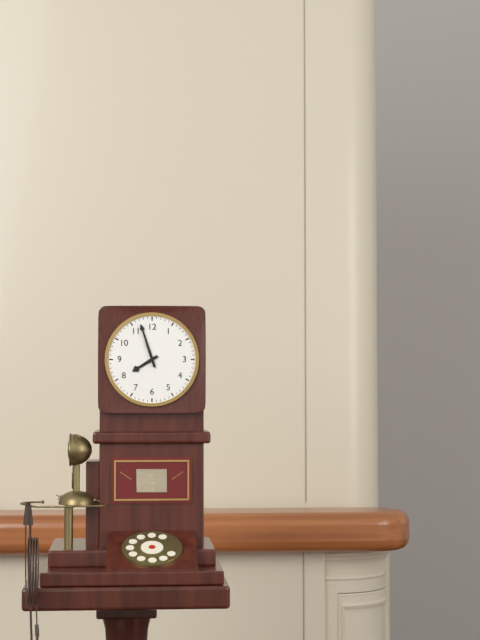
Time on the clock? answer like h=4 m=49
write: h=7 m=57
